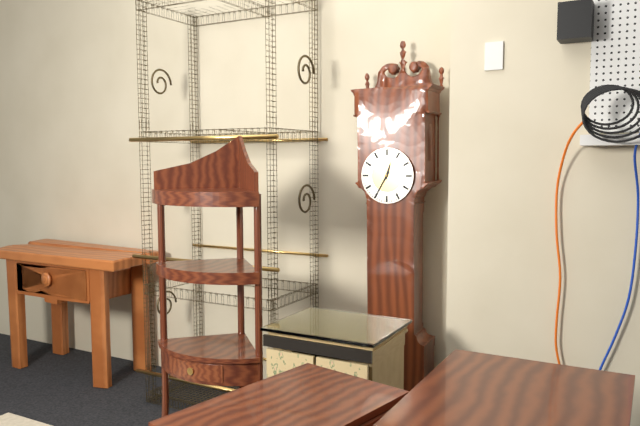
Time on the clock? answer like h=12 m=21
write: h=12 m=35
